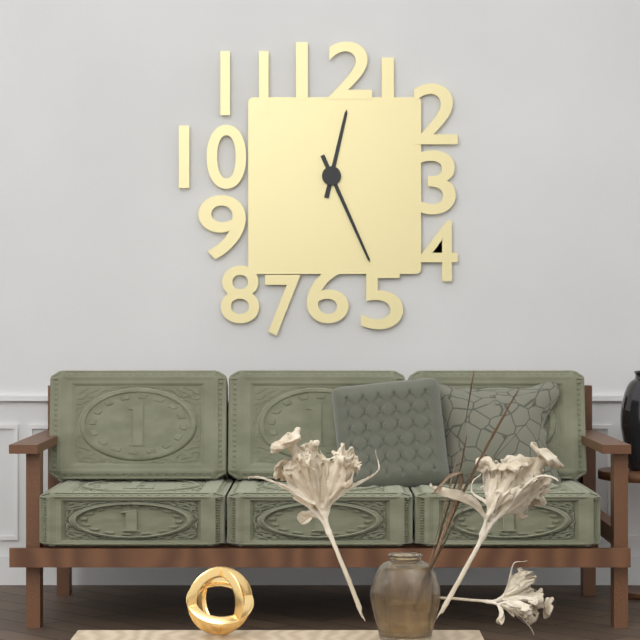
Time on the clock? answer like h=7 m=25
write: h=12 m=26
